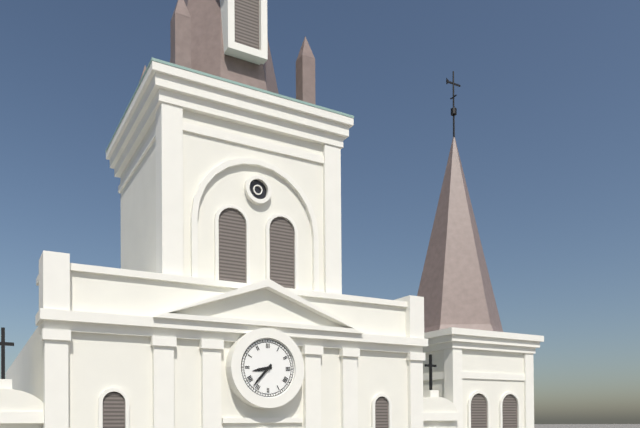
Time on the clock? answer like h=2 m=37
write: h=8 m=37
